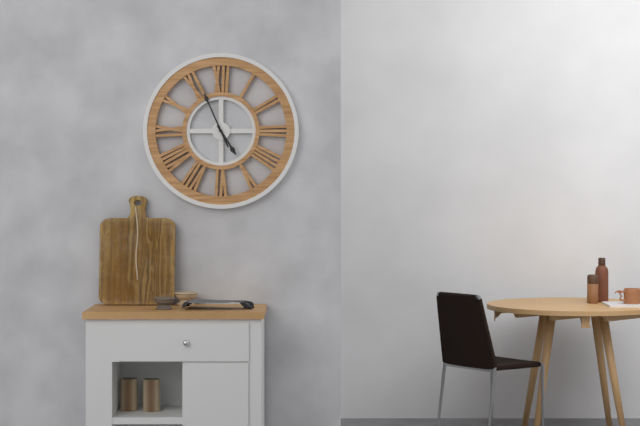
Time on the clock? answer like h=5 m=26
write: h=4 m=56
